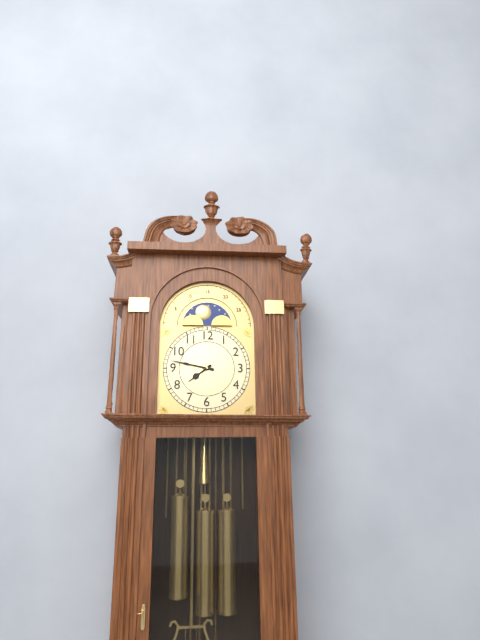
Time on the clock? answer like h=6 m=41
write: h=7 m=47
